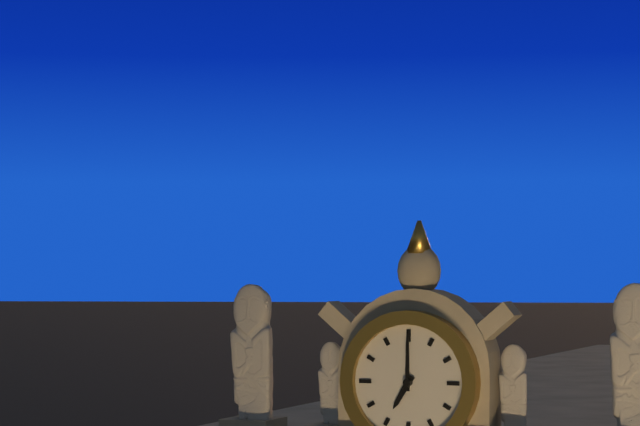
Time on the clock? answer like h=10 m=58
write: h=7 m=0
